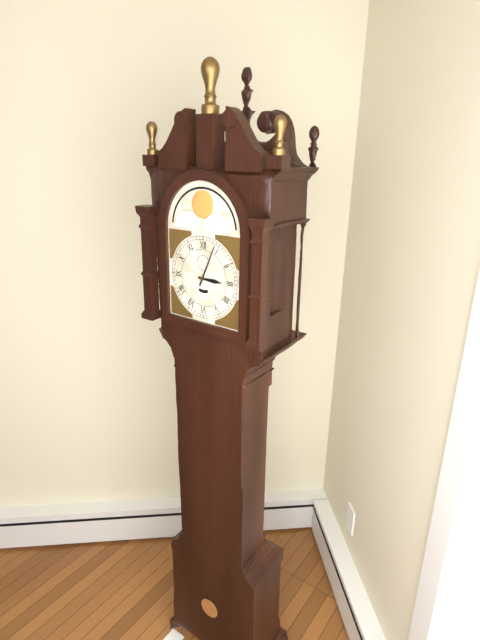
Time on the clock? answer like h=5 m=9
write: h=3 m=4
